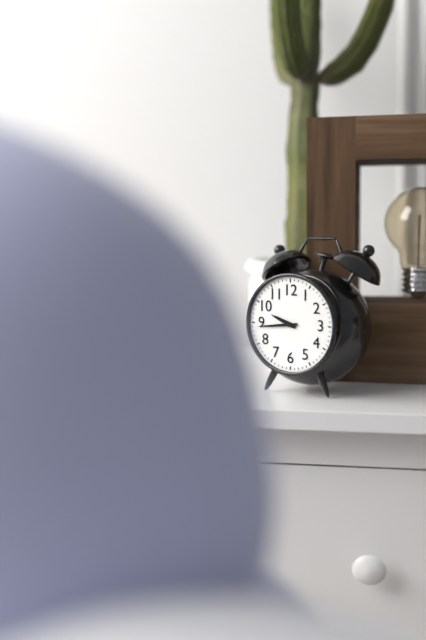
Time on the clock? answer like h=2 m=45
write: h=9 m=44
